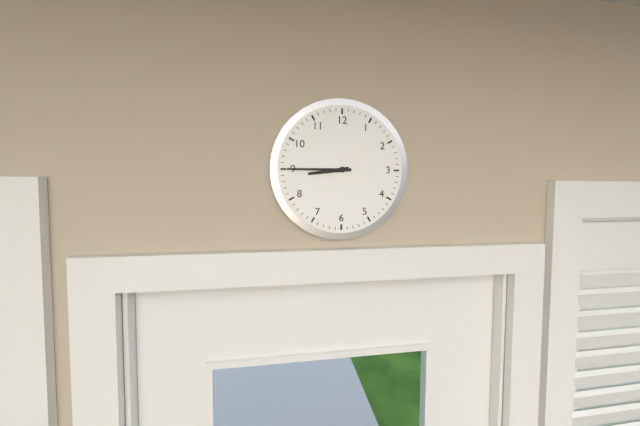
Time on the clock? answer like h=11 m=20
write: h=8 m=45
